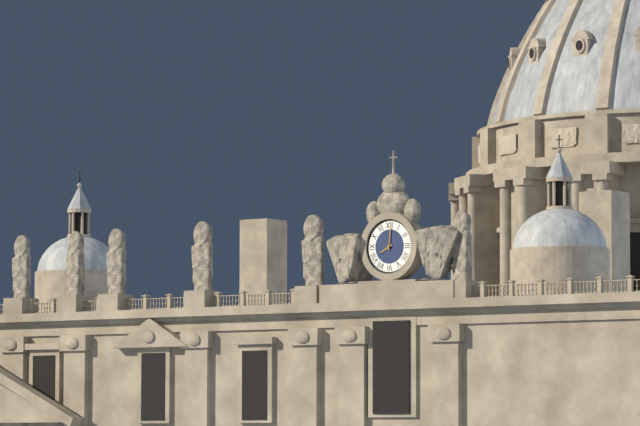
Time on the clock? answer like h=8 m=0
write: h=8 m=1
